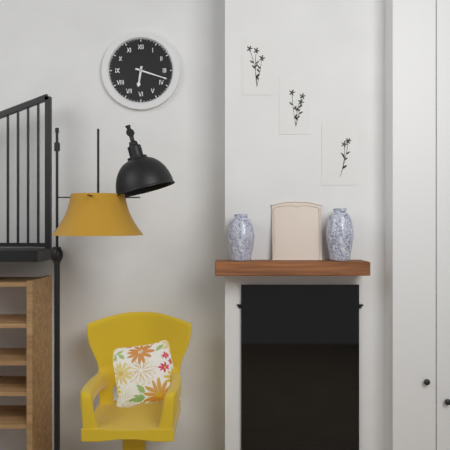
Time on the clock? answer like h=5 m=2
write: h=6 m=18
